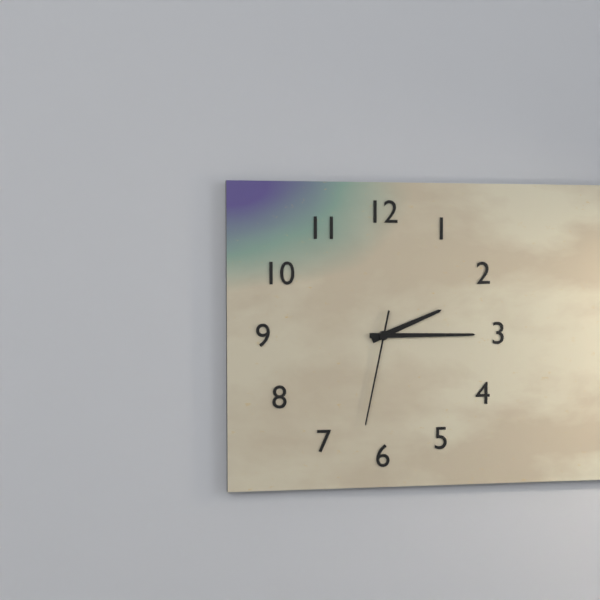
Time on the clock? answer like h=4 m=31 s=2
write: h=2 m=15 s=32
